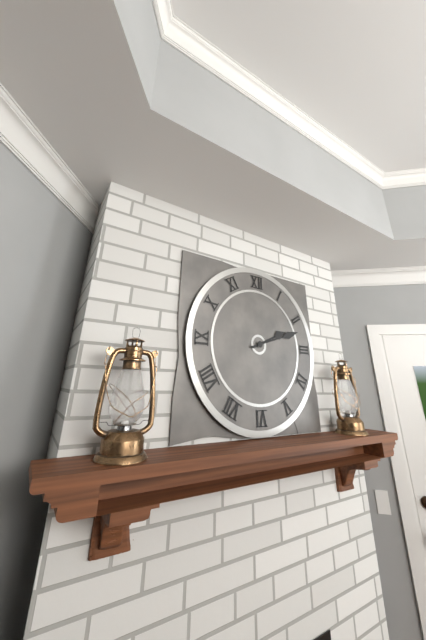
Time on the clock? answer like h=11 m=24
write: h=2 m=12
